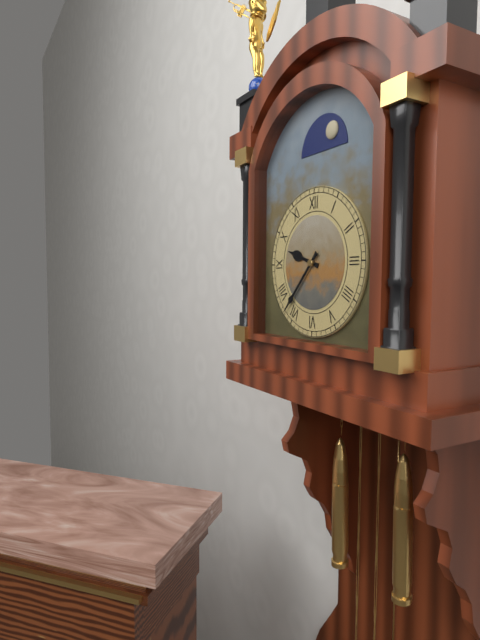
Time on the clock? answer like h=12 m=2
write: h=9 m=37
